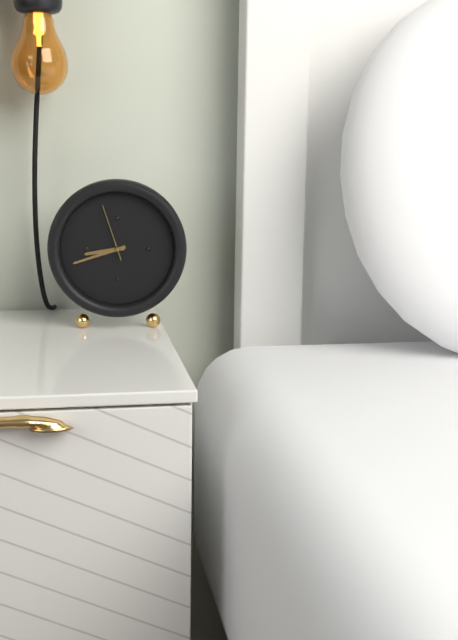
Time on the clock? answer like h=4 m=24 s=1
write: h=8 m=42 s=57
